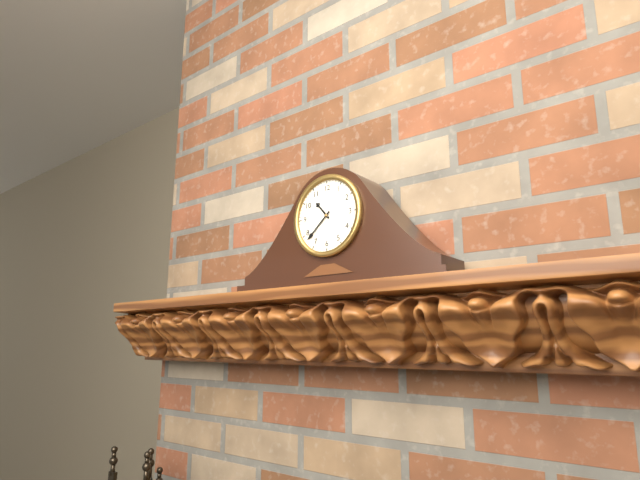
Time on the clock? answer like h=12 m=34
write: h=10 m=38
